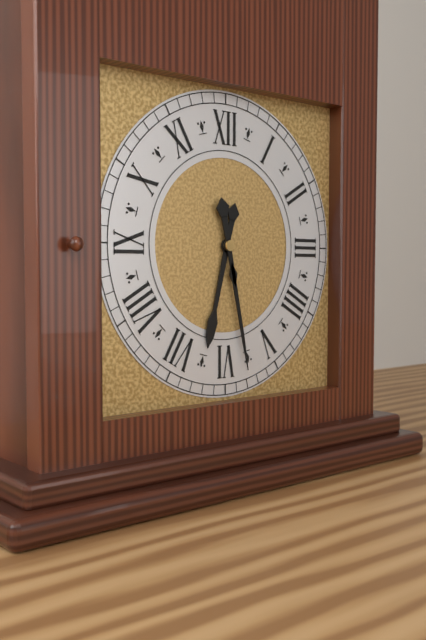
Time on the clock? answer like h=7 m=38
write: h=6 m=28
